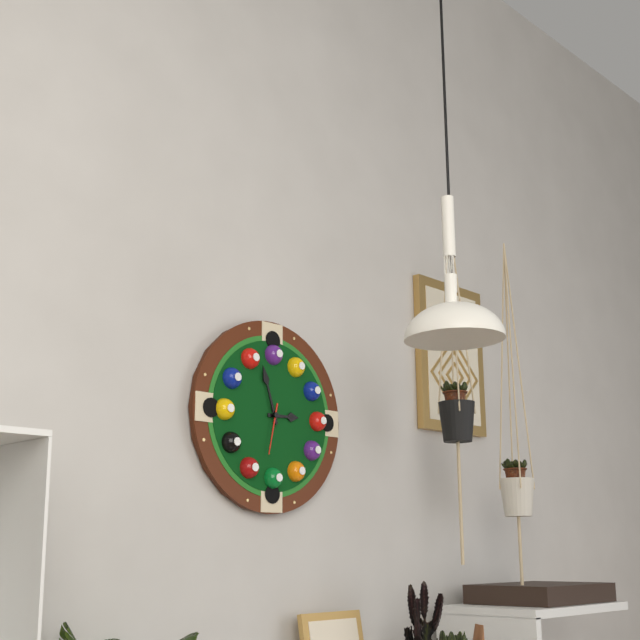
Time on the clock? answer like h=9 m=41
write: h=2 m=57
